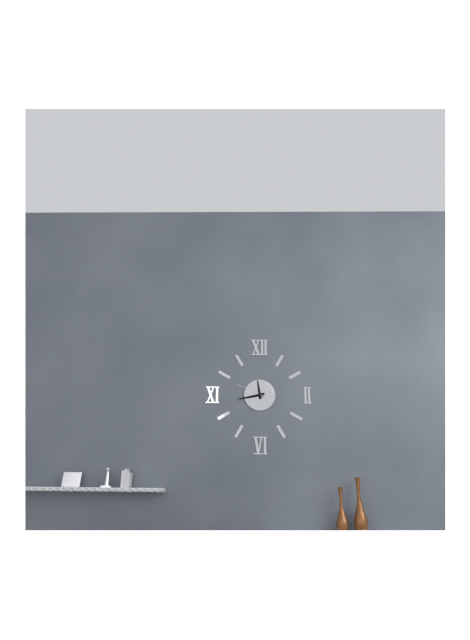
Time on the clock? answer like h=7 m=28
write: h=11 m=43
